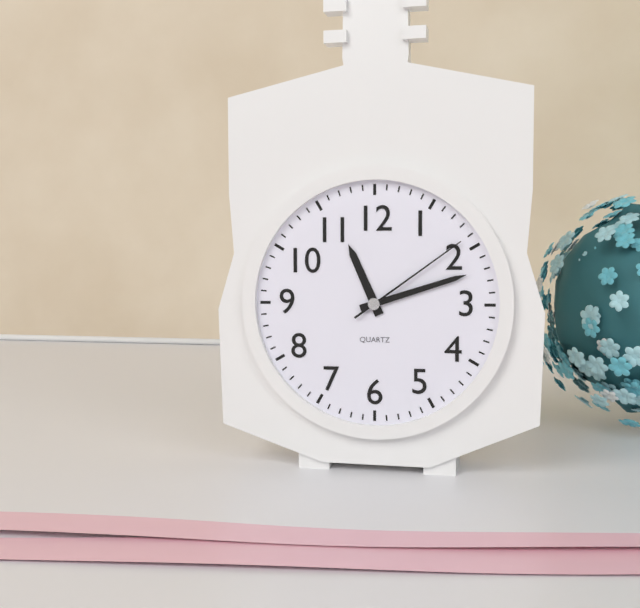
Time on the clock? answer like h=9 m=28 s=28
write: h=11 m=12 s=9
